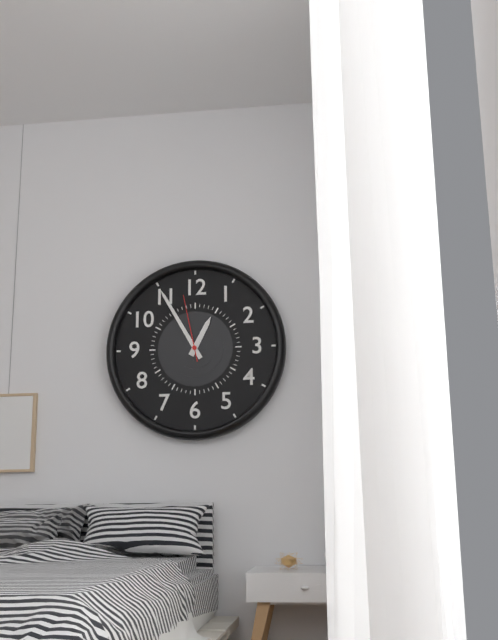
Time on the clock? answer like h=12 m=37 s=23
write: h=12 m=55 s=58
